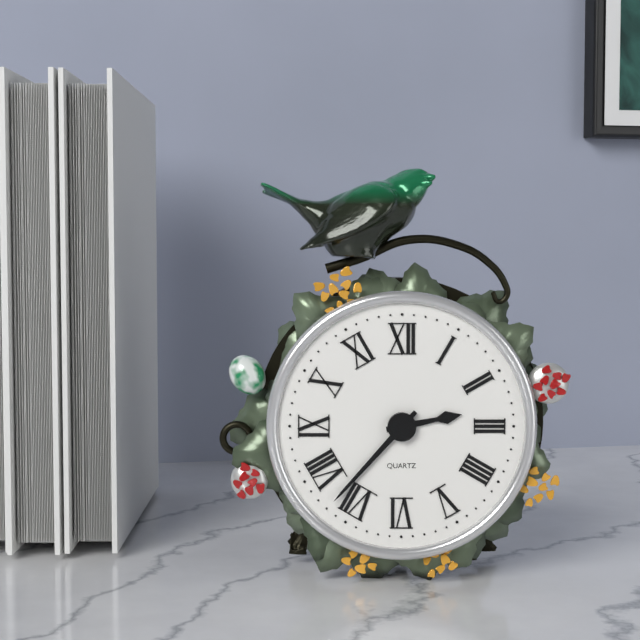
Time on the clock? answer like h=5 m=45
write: h=2 m=37
